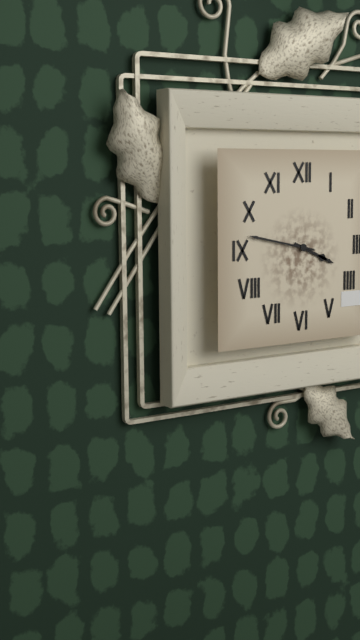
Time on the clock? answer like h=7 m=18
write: h=3 m=47
